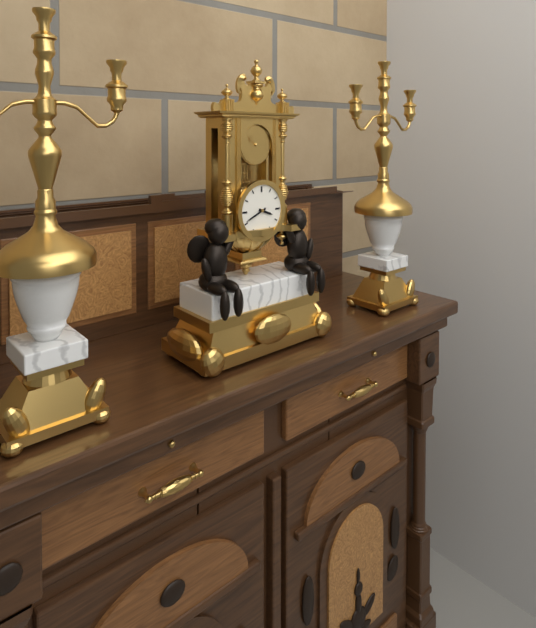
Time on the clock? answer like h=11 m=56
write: h=3 m=41
